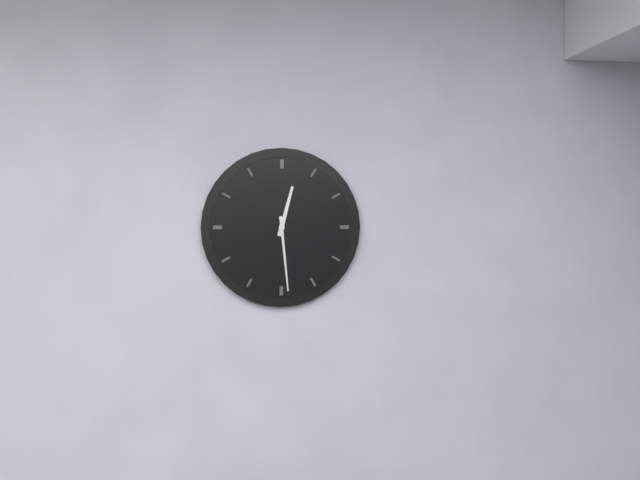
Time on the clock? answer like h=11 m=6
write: h=12 m=29
